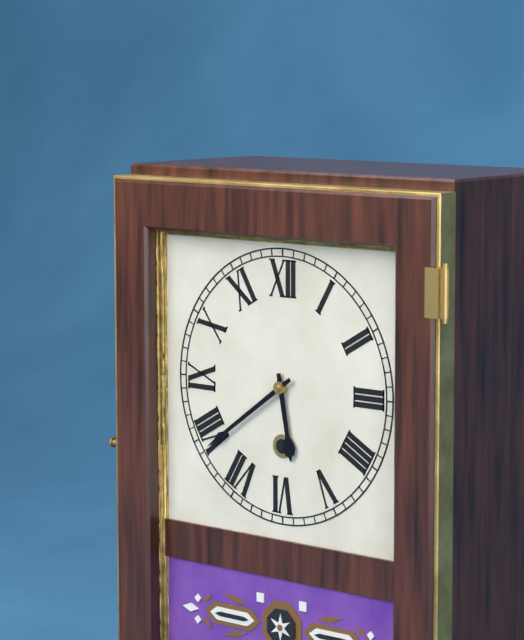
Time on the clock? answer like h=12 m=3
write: h=5 m=39
